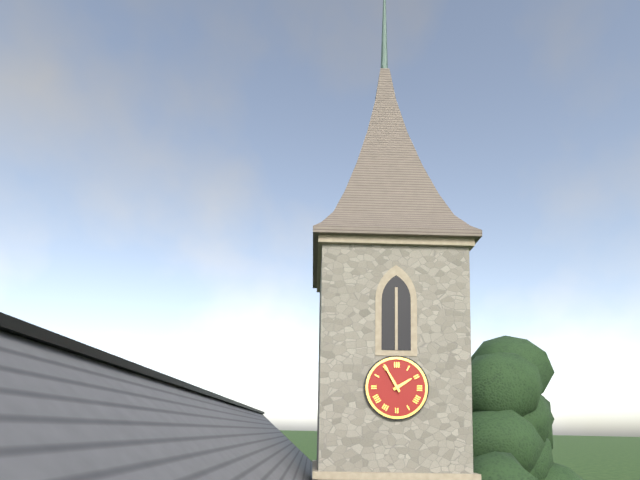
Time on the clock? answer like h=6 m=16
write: h=1 m=55
